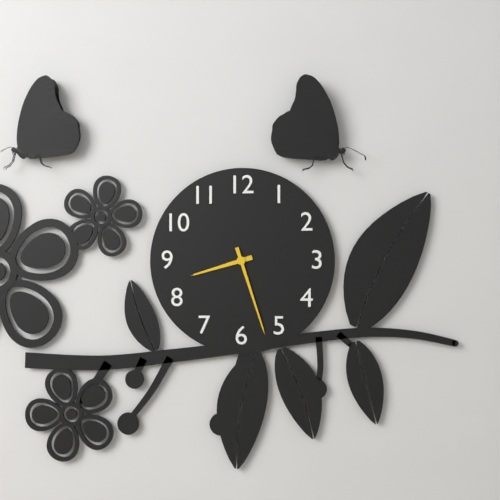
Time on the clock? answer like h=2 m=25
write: h=8 m=27
